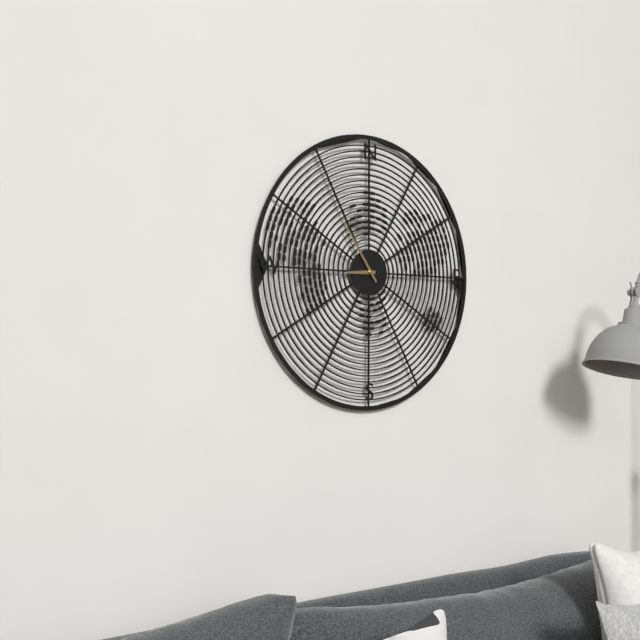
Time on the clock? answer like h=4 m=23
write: h=8 m=54
